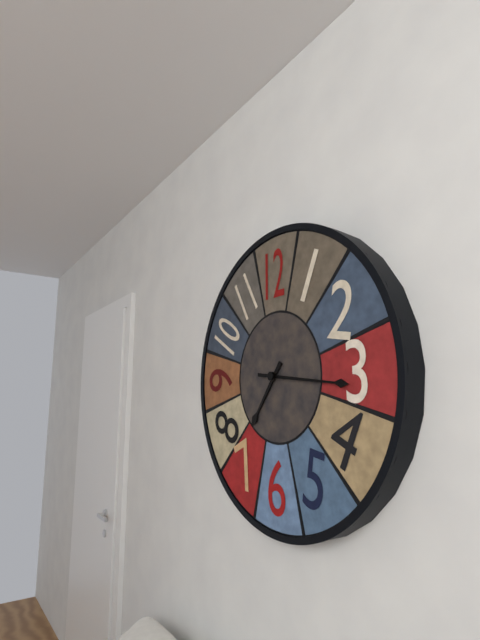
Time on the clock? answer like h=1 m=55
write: h=7 m=16
